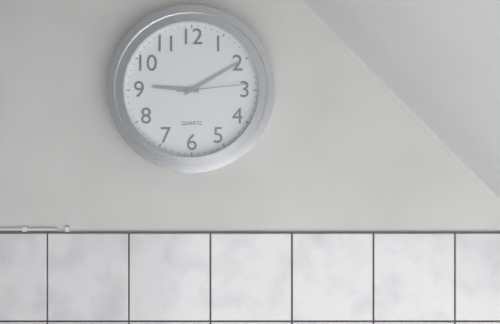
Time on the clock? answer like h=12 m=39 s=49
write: h=9 m=10 s=14
